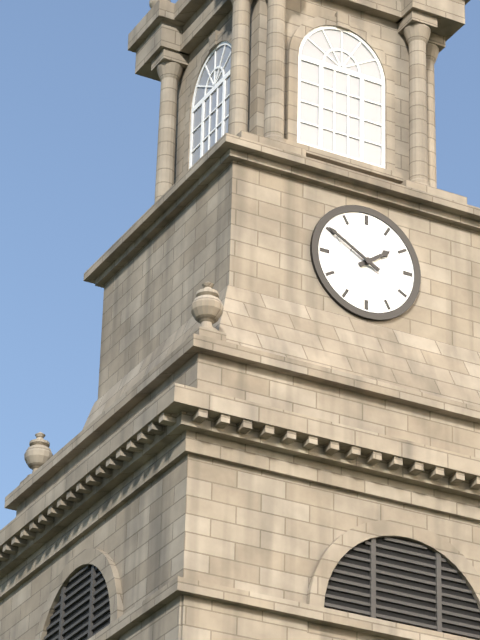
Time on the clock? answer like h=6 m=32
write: h=1 m=50
